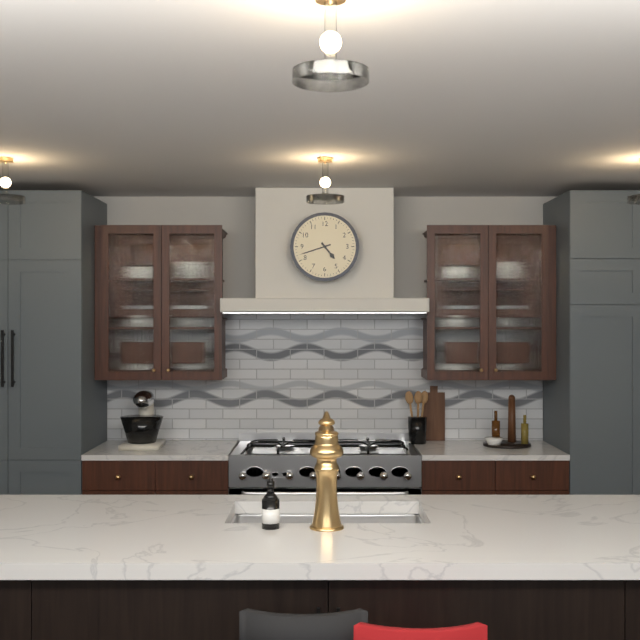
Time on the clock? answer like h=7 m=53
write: h=4 m=42
